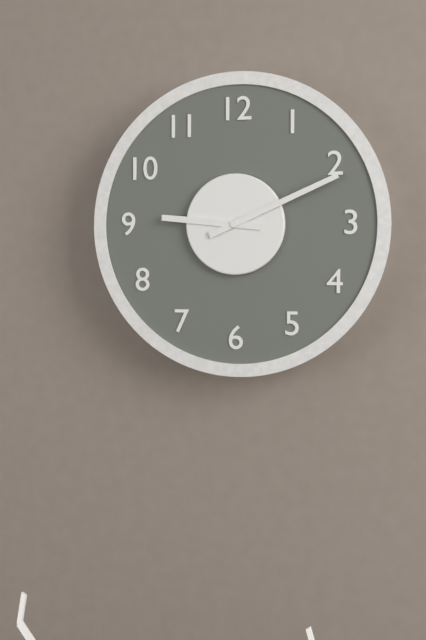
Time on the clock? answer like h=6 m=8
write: h=9 m=11
